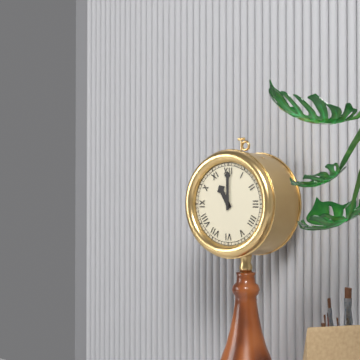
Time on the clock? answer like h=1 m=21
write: h=11 m=0
